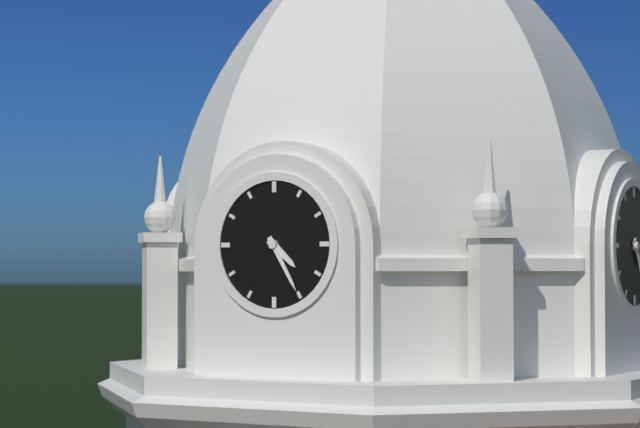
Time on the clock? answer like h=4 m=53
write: h=4 m=25
